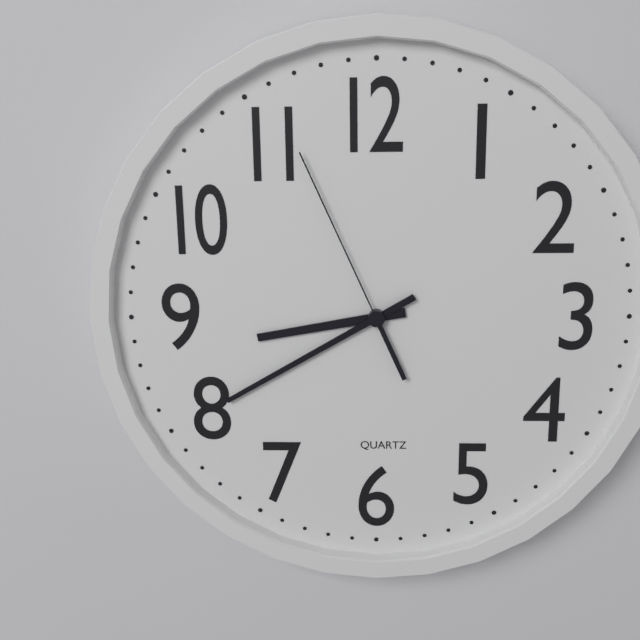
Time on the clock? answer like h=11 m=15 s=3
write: h=8 m=40 s=56
